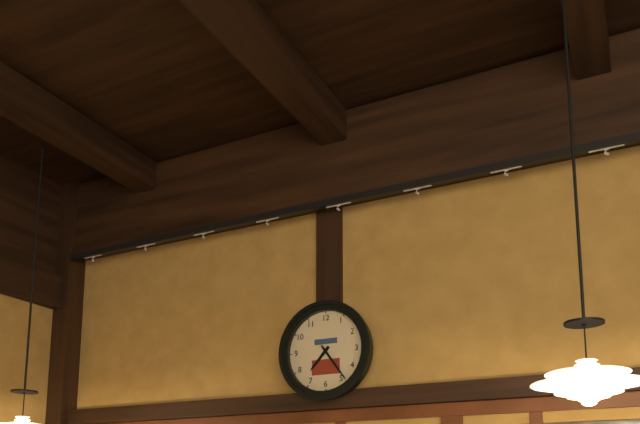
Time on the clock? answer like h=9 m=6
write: h=7 m=24
